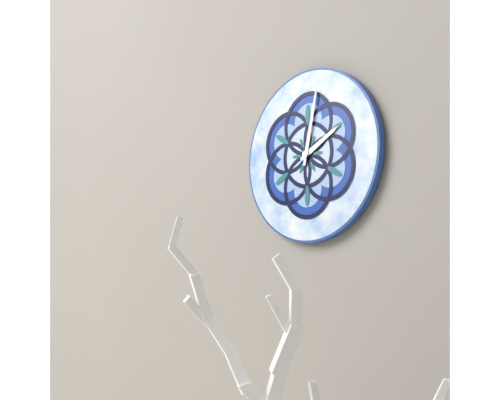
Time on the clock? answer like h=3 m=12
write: h=2 m=2
